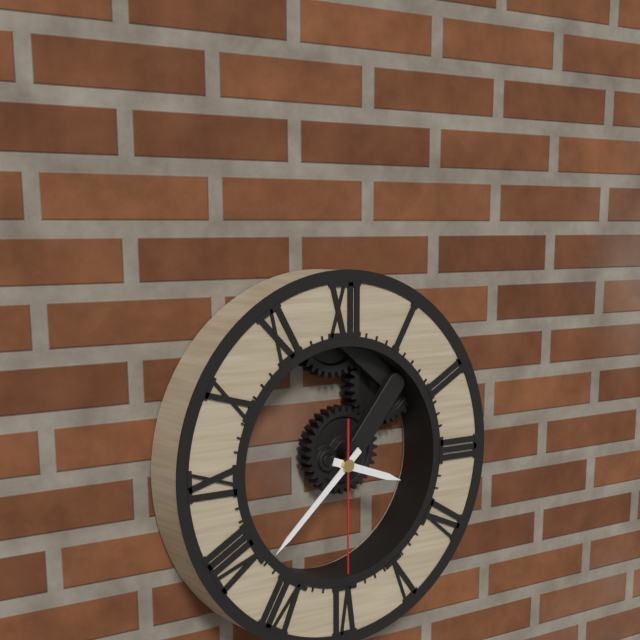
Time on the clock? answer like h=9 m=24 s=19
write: h=3 m=38 s=30
